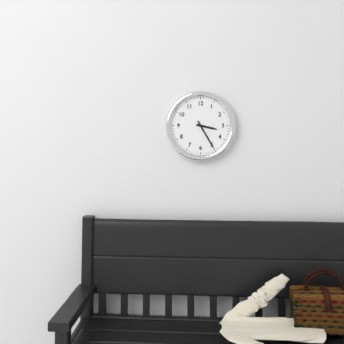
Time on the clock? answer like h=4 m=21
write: h=3 m=25
